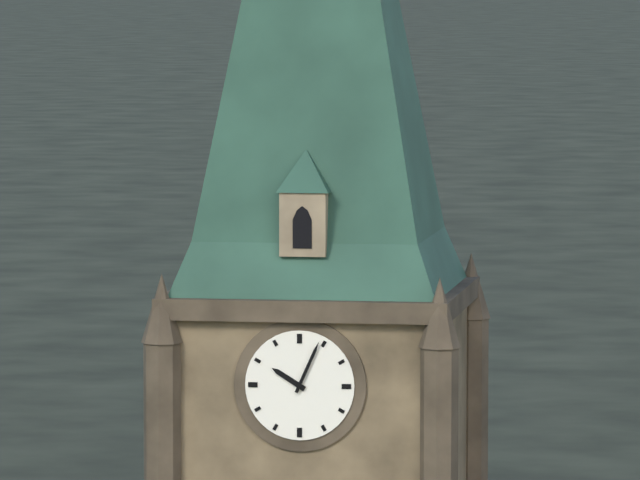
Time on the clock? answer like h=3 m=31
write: h=10 m=4
